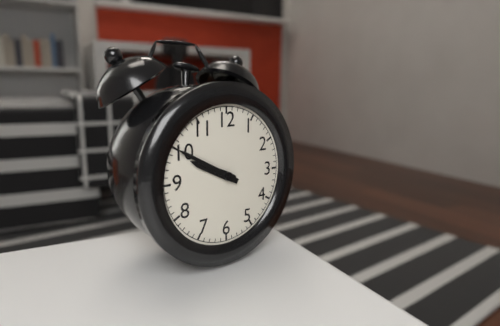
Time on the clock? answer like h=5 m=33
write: h=9 m=50
